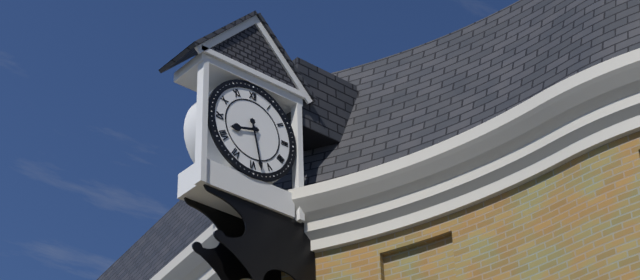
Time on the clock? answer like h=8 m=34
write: h=8 m=28
